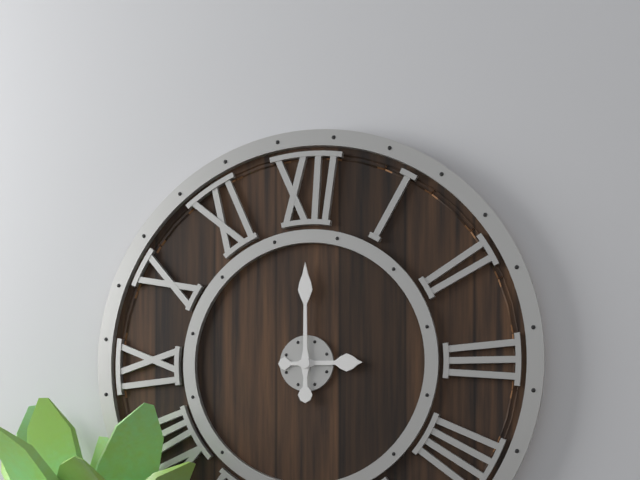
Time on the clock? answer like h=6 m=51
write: h=3 m=0
